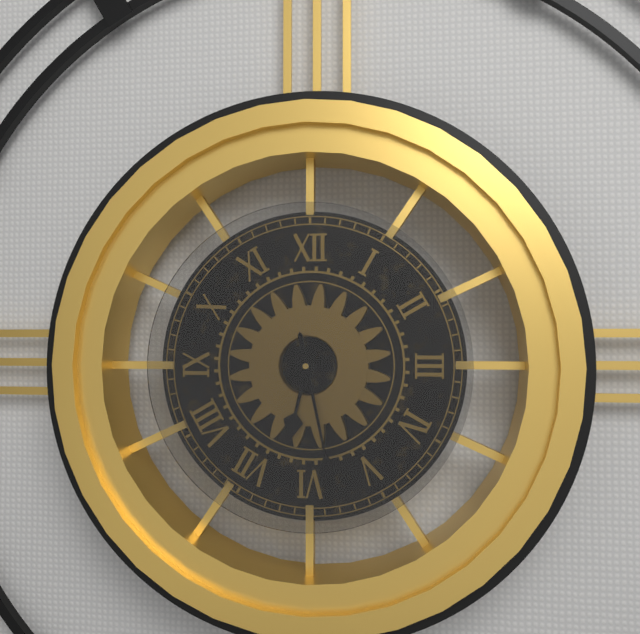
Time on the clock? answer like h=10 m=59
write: h=6 m=28
